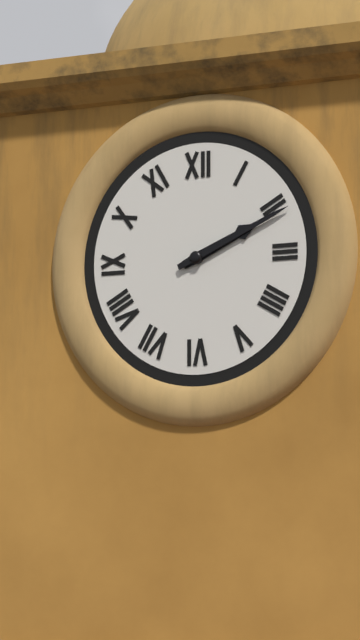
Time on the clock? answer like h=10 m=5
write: h=2 m=11
